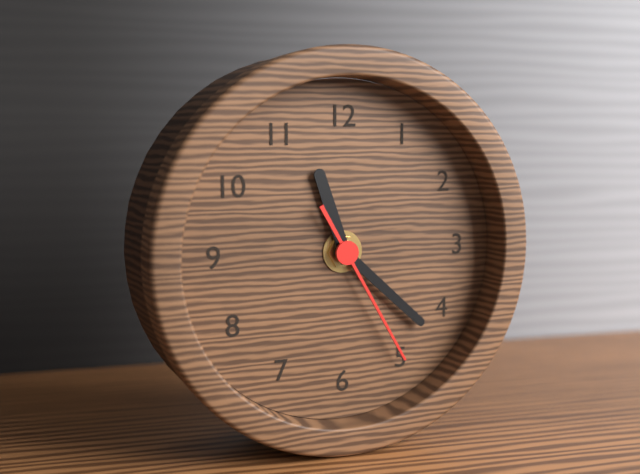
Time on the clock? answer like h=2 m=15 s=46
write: h=11 m=22 s=25
